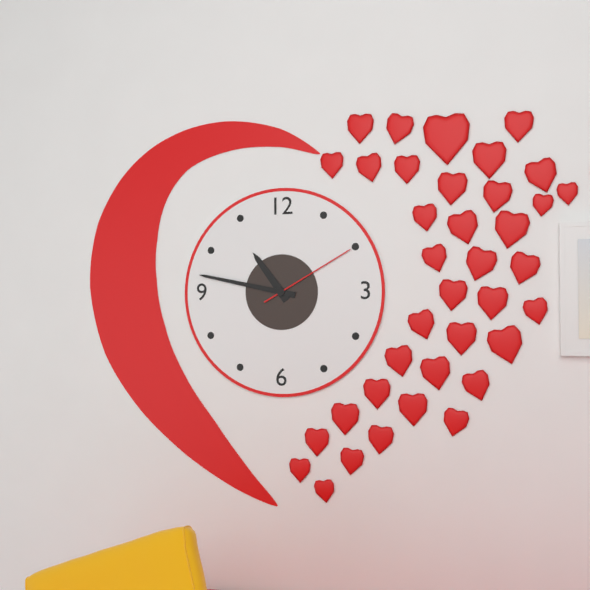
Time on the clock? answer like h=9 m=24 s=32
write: h=10 m=47 s=10
